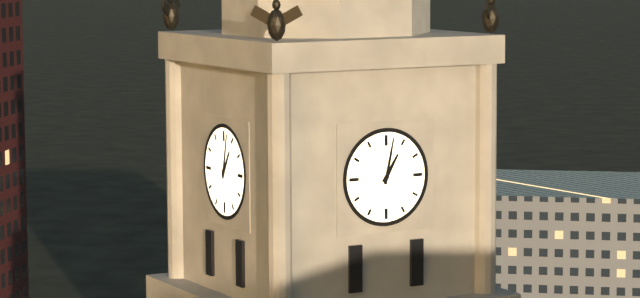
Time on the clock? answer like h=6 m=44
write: h=1 m=2
